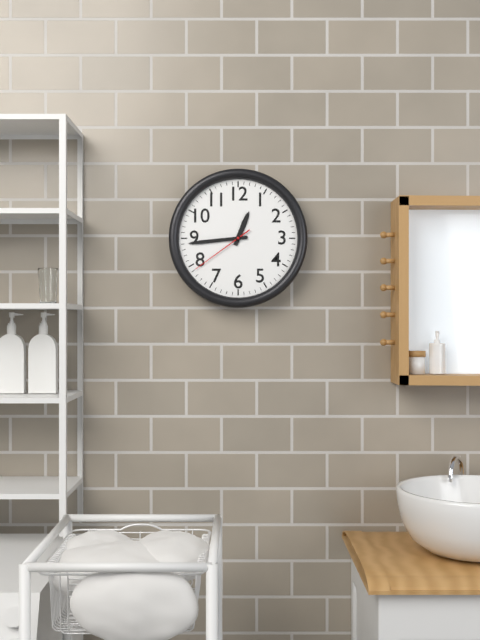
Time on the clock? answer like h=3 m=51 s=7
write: h=12 m=44 s=39
